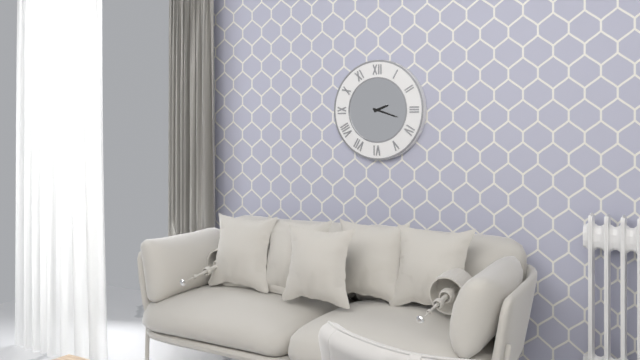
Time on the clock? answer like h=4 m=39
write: h=2 m=18
